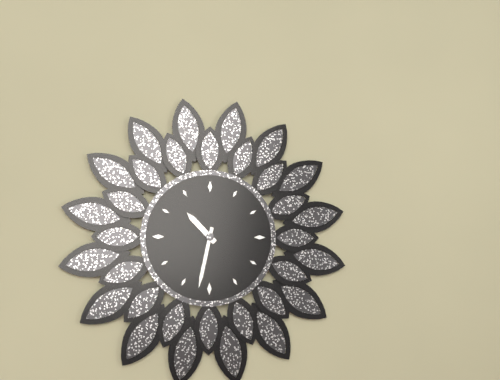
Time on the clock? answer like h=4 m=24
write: h=10 m=32
